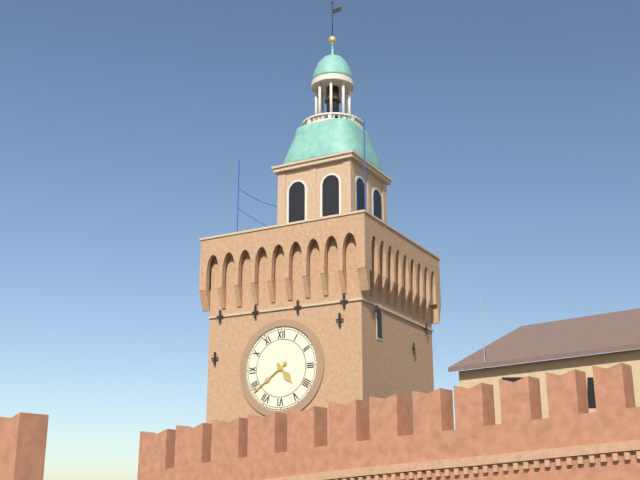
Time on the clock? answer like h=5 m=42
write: h=4 m=39
